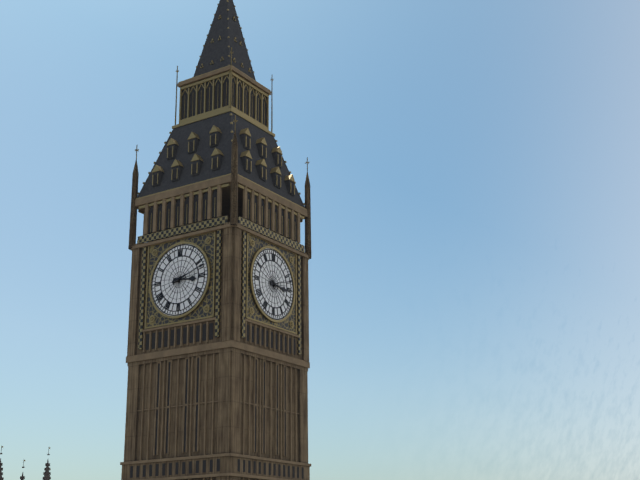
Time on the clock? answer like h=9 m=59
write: h=3 m=12
